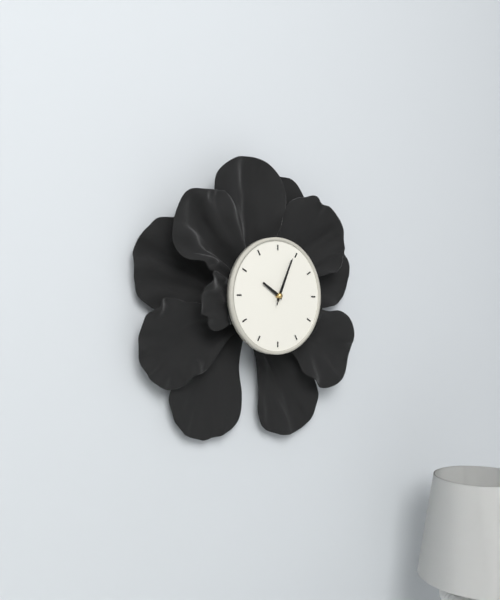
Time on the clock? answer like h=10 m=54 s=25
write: h=10 m=4 s=4
